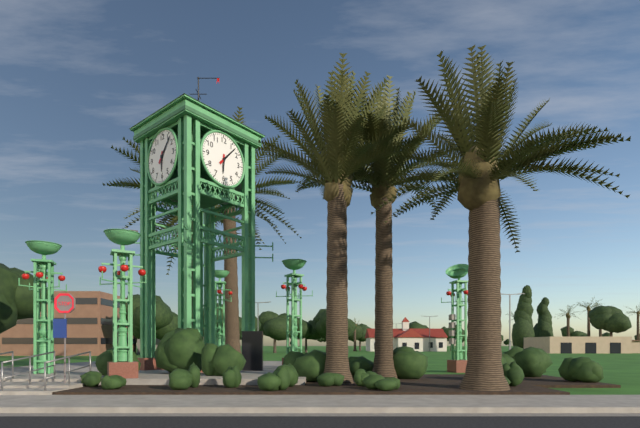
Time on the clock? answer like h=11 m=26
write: h=6 m=7
